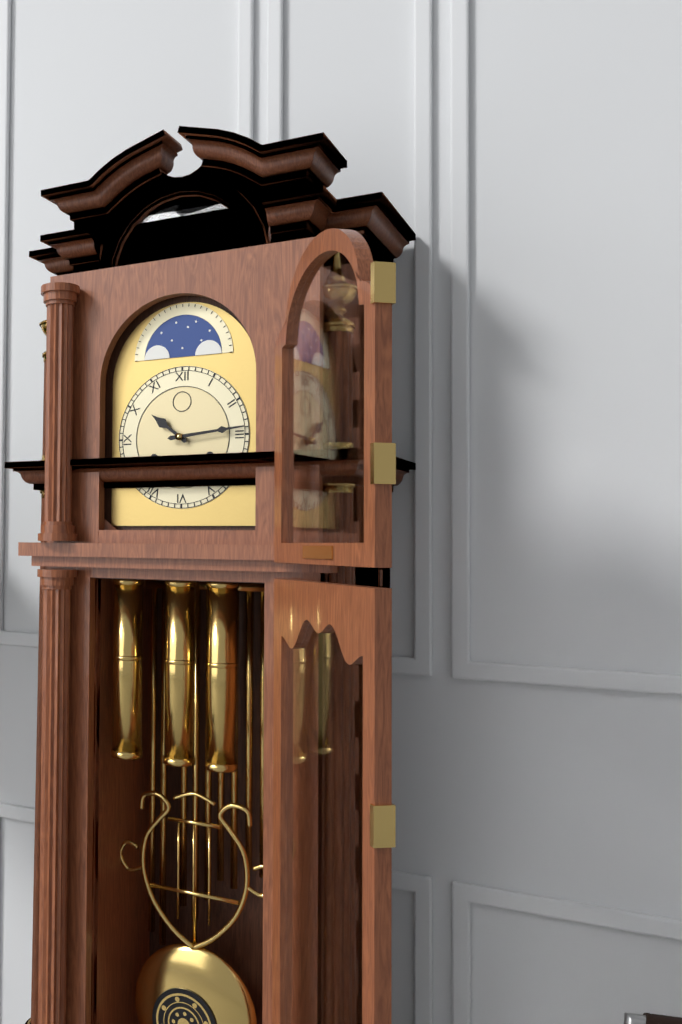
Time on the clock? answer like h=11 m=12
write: h=10 m=14
